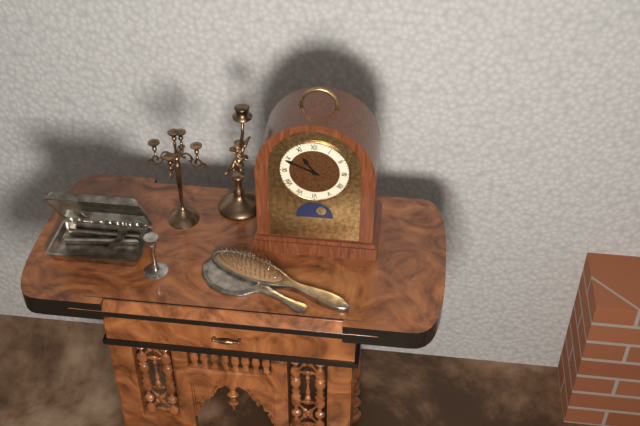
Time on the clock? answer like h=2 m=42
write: h=10 m=49
